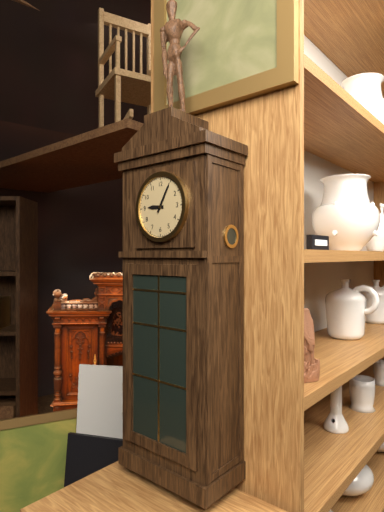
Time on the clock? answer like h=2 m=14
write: h=9 m=5
